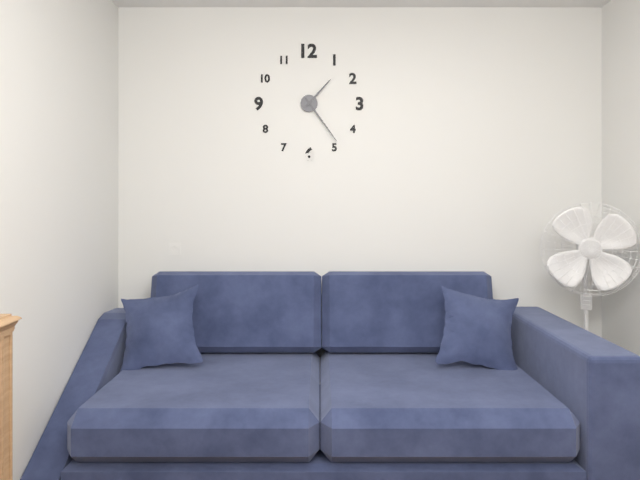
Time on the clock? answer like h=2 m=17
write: h=1 m=24
